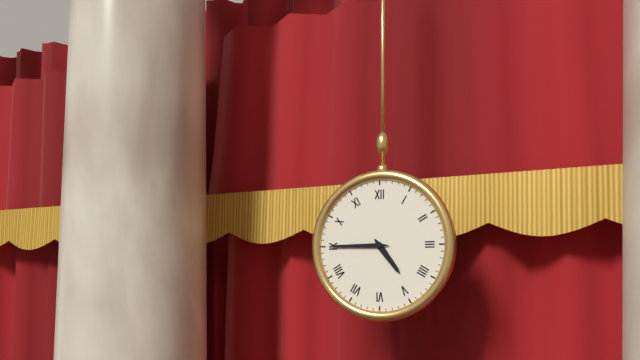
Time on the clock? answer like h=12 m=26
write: h=4 m=45
